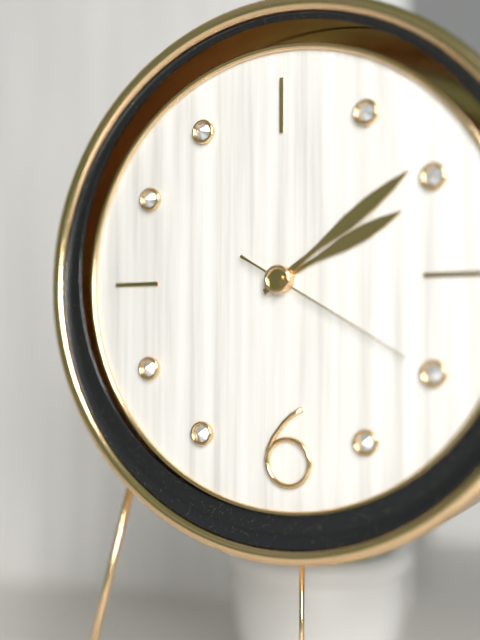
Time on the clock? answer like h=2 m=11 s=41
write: h=2 m=9 s=20
